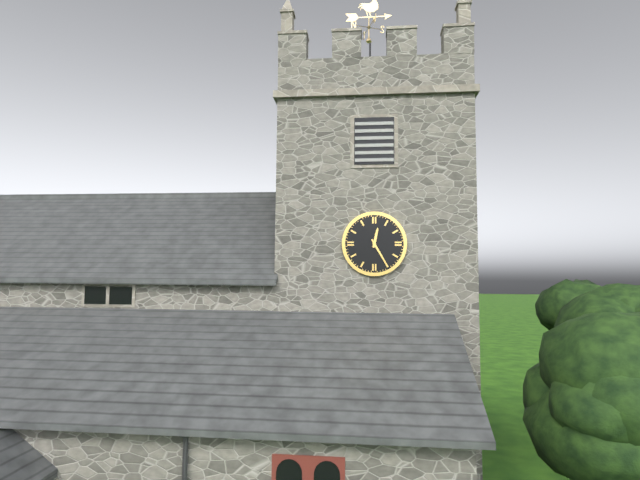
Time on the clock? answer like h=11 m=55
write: h=12 m=25
